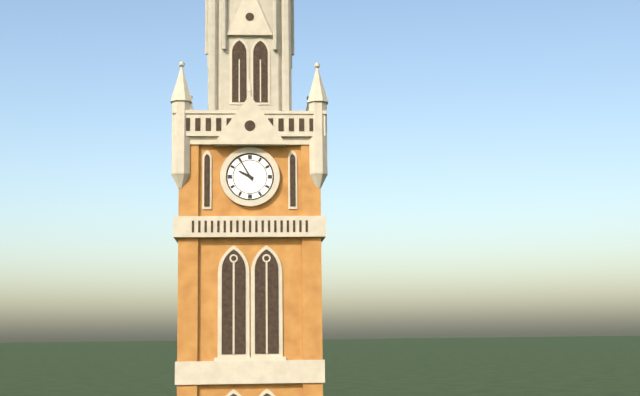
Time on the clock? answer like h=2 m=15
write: h=9 m=55
